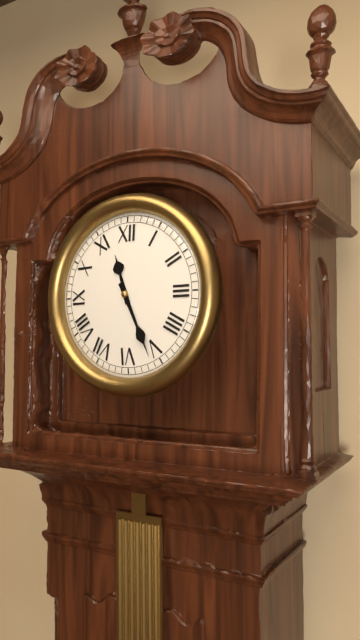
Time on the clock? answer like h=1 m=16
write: h=11 m=26
